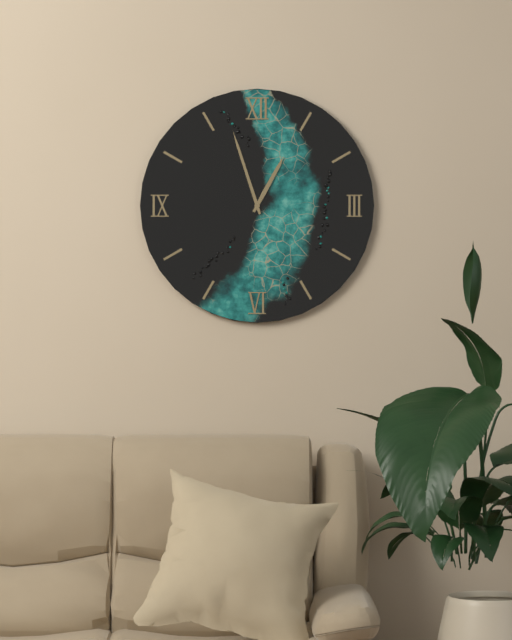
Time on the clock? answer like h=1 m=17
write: h=12 m=57
